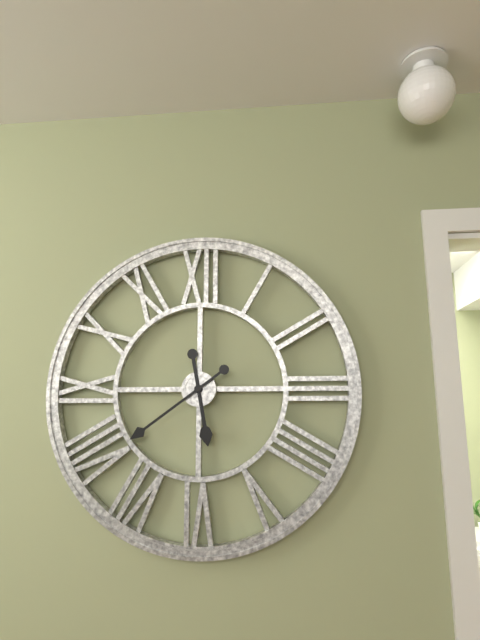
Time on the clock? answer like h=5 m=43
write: h=5 m=39
